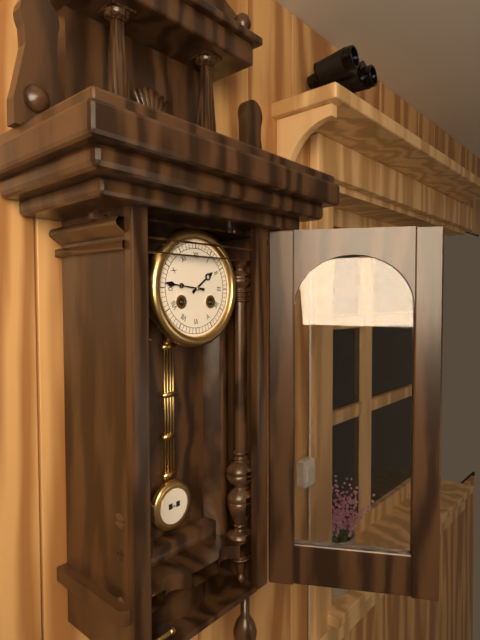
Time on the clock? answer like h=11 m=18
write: h=1 m=46
